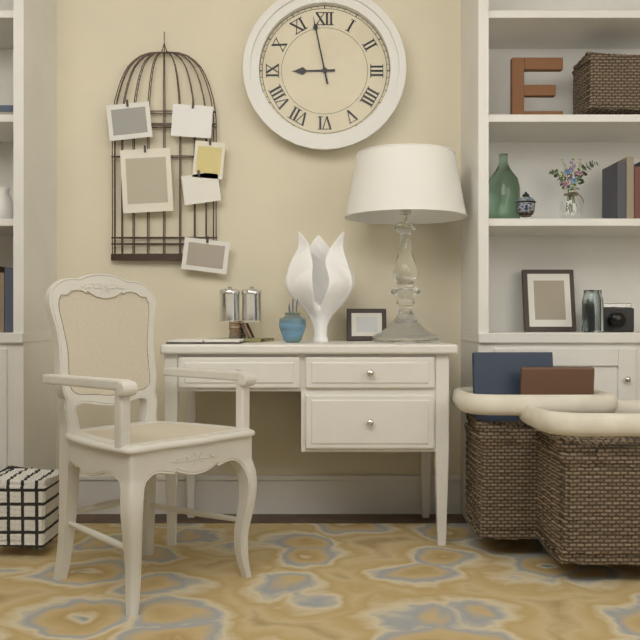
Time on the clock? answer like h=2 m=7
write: h=8 m=58
